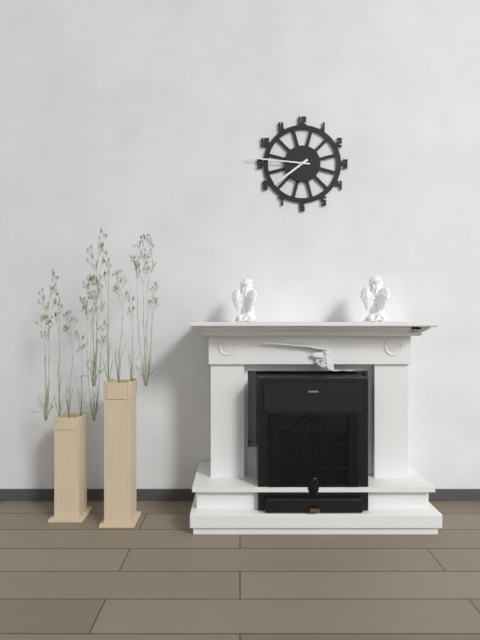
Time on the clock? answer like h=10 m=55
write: h=7 m=46
